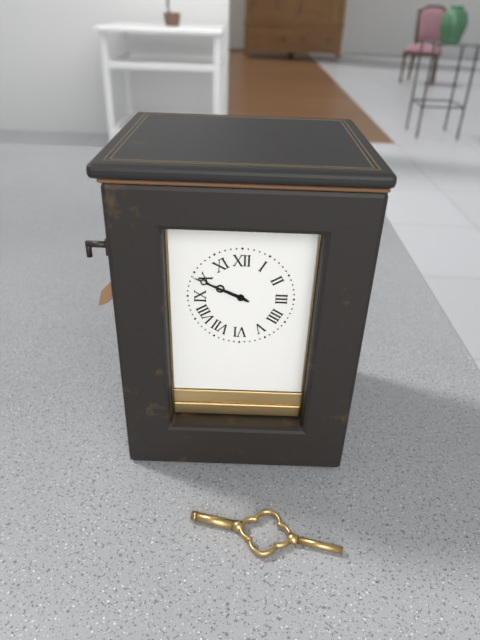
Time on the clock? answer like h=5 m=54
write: h=9 m=49
